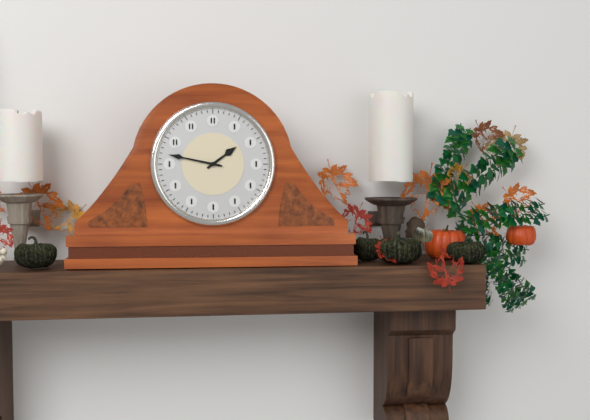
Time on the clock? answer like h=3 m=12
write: h=1 m=47
